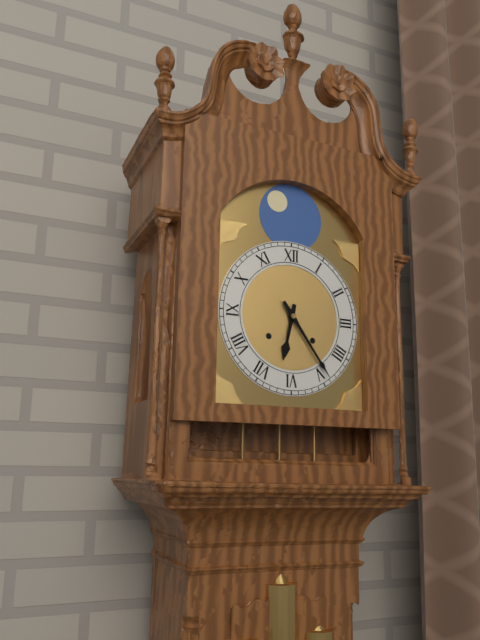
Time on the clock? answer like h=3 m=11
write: h=6 m=24
